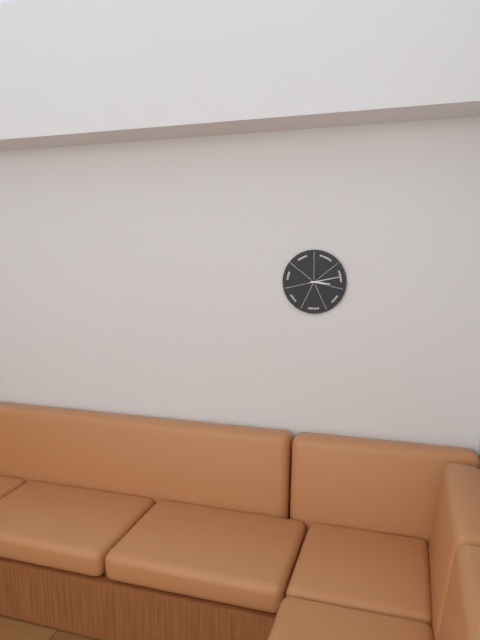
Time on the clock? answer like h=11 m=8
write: h=3 m=13
